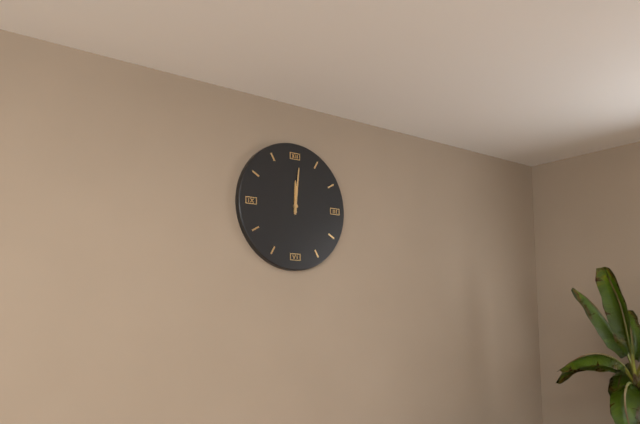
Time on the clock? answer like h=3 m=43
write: h=12 m=1
